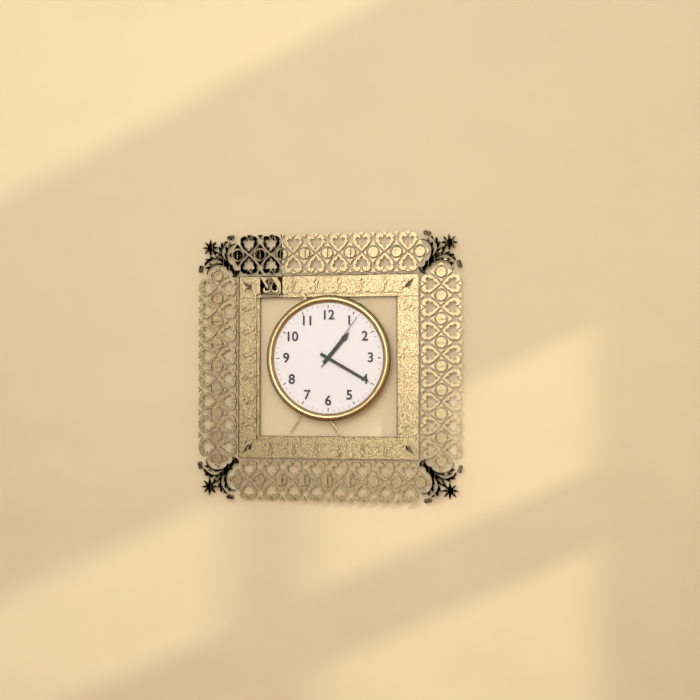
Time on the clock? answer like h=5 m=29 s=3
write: h=1 m=20 s=6
